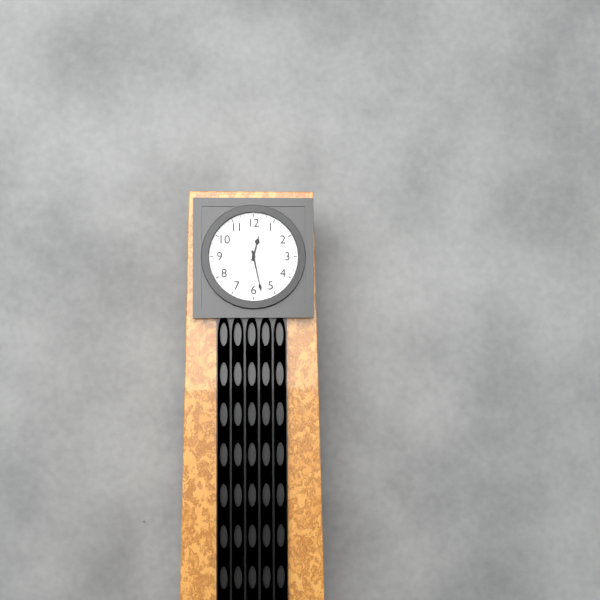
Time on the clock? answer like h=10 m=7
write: h=12 m=28
